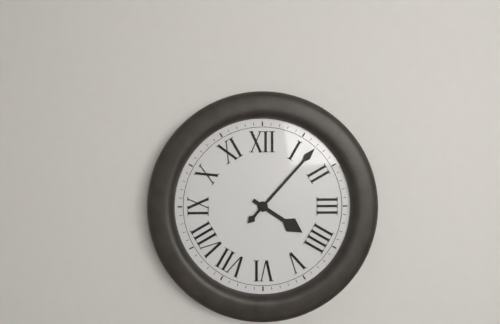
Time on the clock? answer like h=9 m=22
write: h=4 m=7
